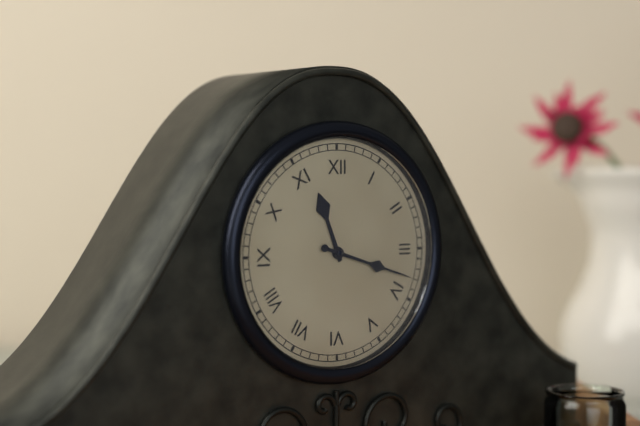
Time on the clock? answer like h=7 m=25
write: h=11 m=18
